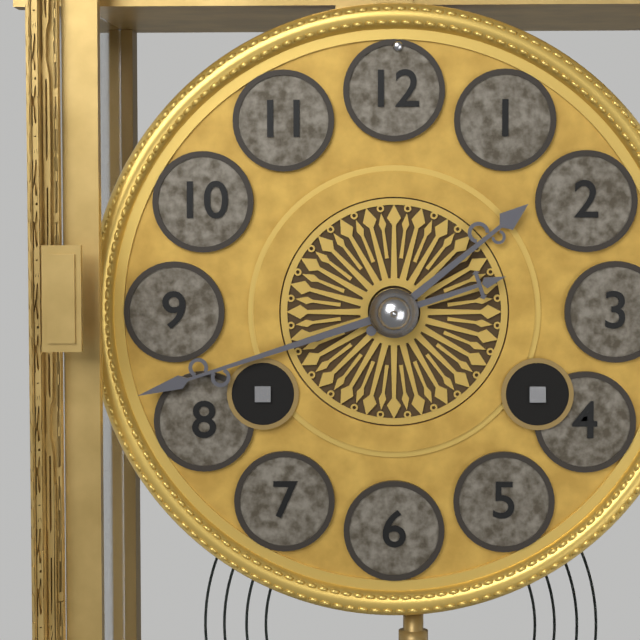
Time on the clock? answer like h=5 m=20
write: h=1 m=42
